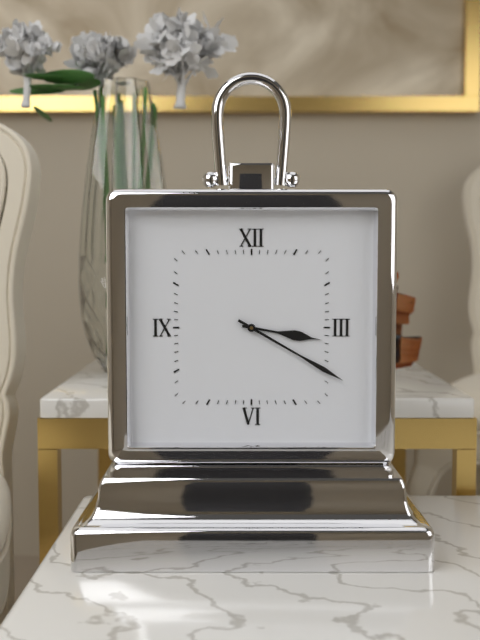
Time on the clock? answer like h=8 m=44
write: h=3 m=20
